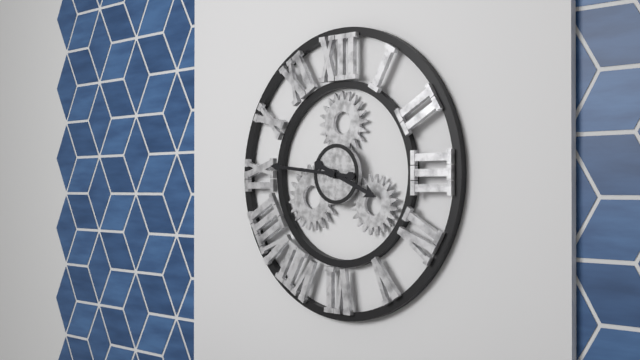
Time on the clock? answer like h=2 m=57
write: h=3 m=46
